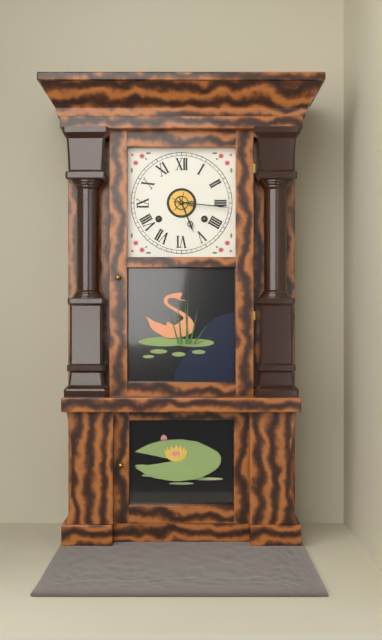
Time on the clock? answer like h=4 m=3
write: h=5 m=16
